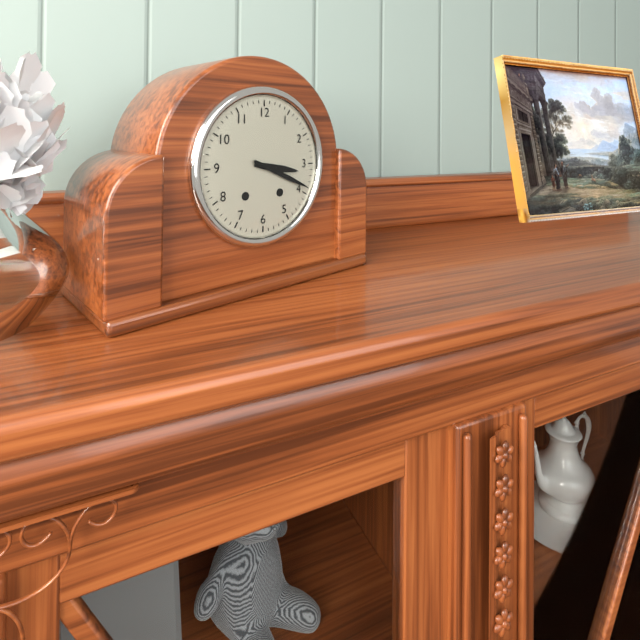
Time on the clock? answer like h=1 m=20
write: h=3 m=19
